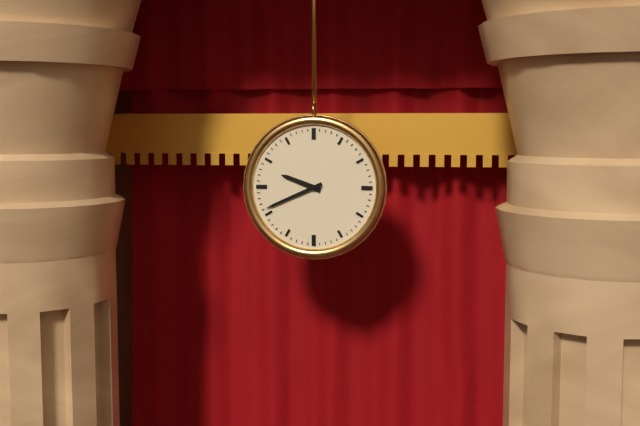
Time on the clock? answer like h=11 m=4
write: h=9 m=41
